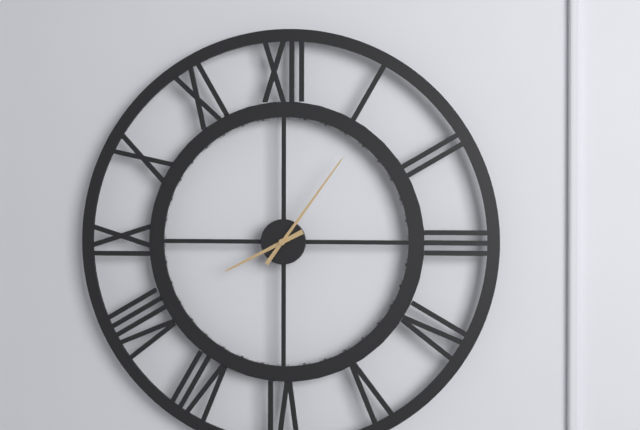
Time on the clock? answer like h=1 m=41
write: h=8 m=6
